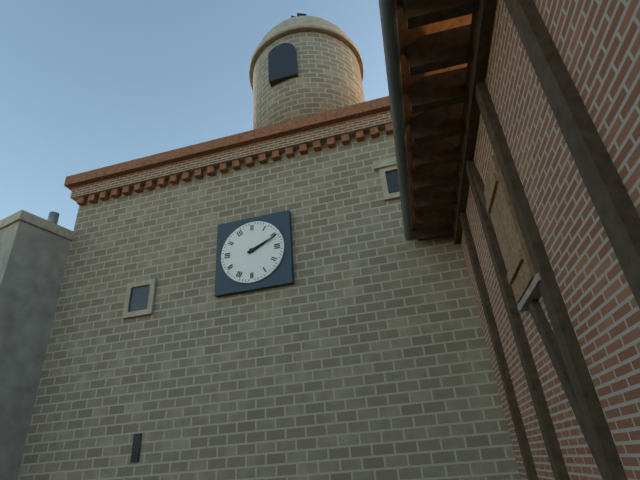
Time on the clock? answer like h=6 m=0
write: h=2 m=11
